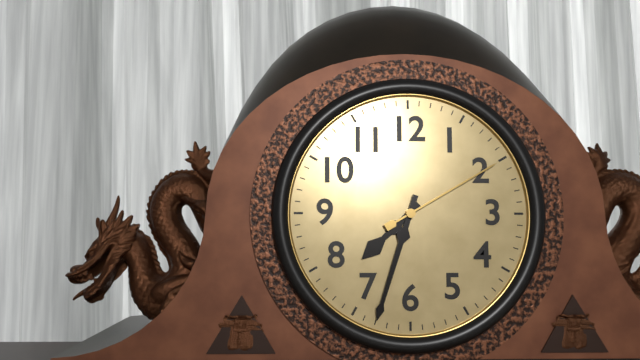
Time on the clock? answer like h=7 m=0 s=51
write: h=7 m=33 s=10
